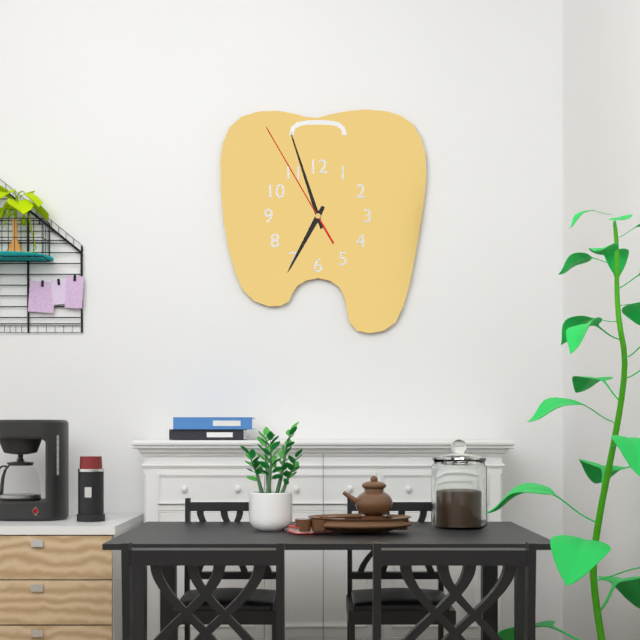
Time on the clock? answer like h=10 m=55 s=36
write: h=6 m=57 s=55
